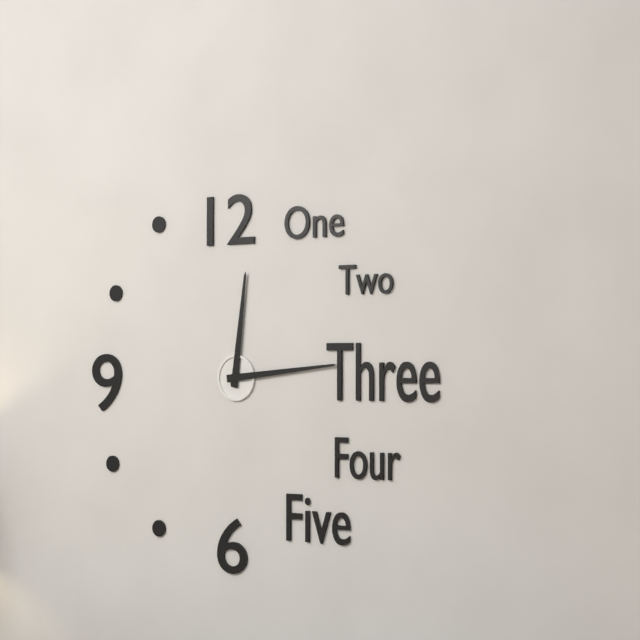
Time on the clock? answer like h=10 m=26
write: h=12 m=14
